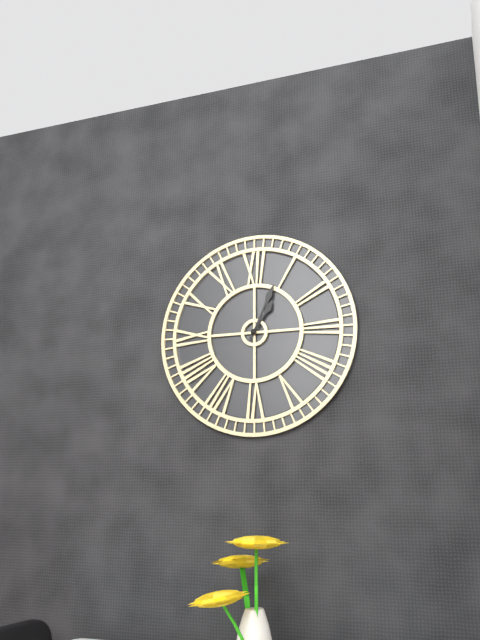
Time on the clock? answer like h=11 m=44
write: h=1 m=4
